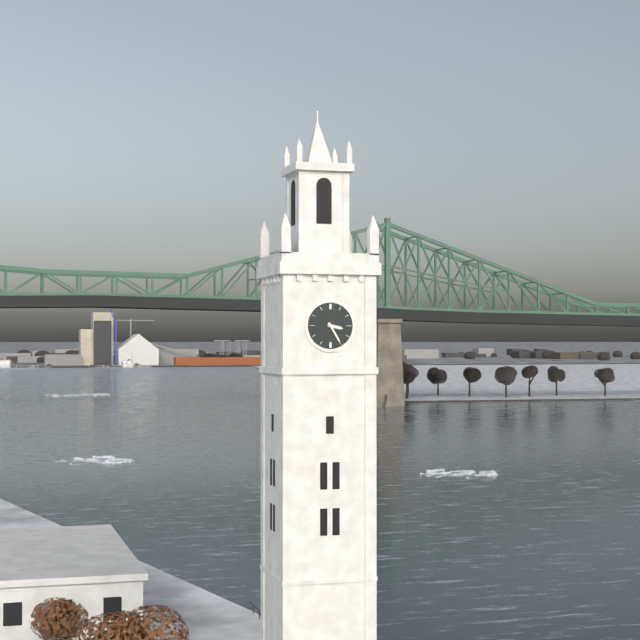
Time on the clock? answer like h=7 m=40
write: h=3 m=25
